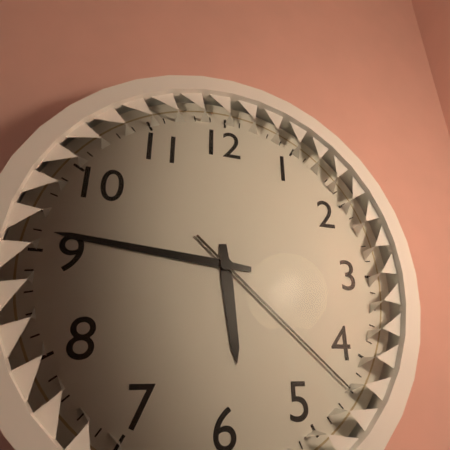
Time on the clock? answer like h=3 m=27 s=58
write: h=5 m=46 s=22
